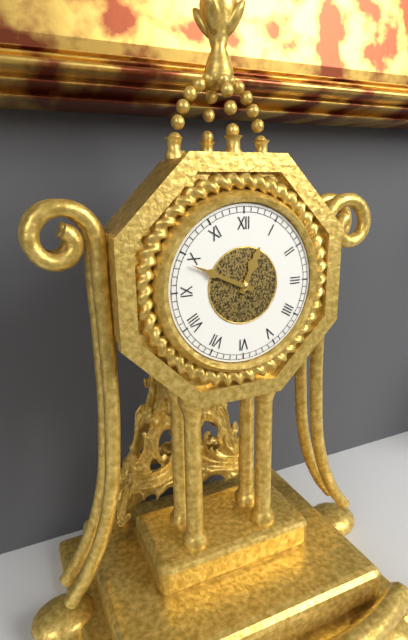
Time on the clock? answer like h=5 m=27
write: h=12 m=49
